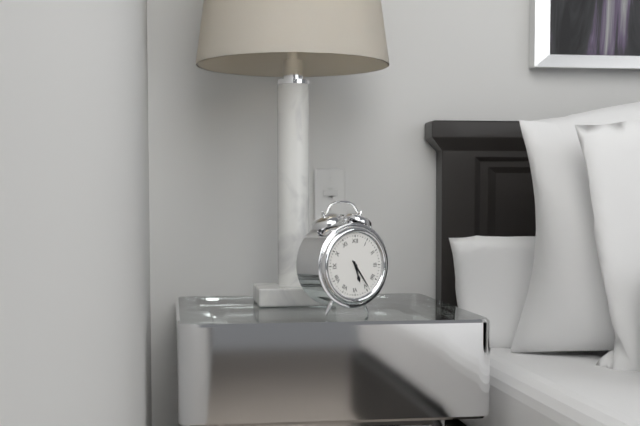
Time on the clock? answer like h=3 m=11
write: h=5 m=24
